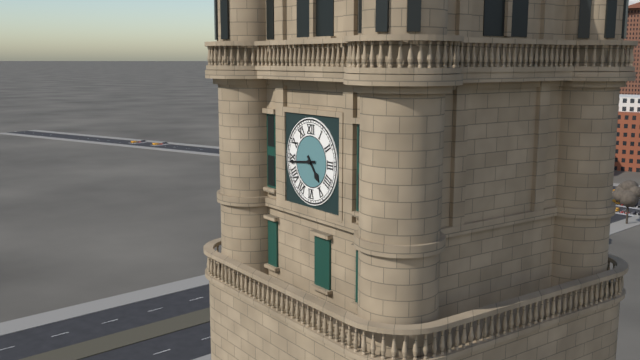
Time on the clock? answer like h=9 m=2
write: h=4 m=44
